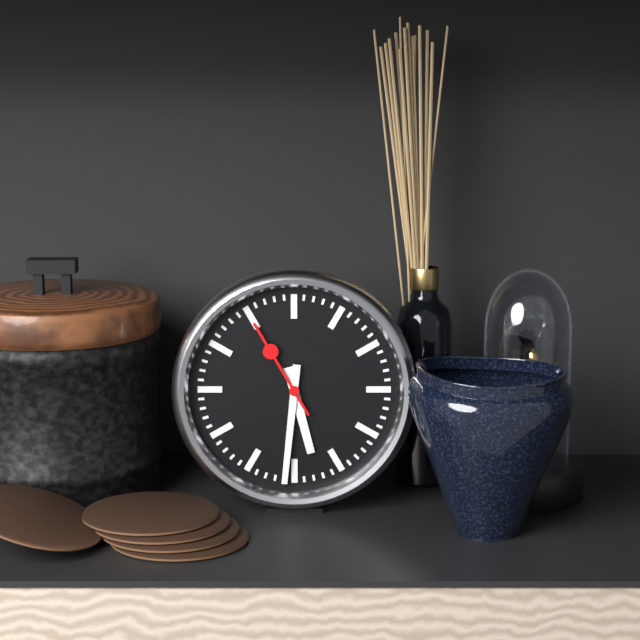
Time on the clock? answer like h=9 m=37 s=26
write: h=5 m=31 s=55
